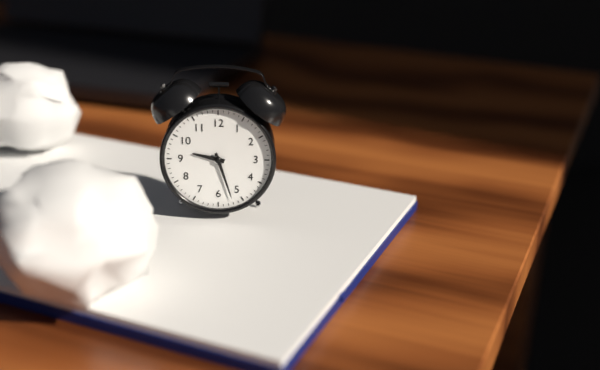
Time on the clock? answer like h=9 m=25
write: h=9 m=27
